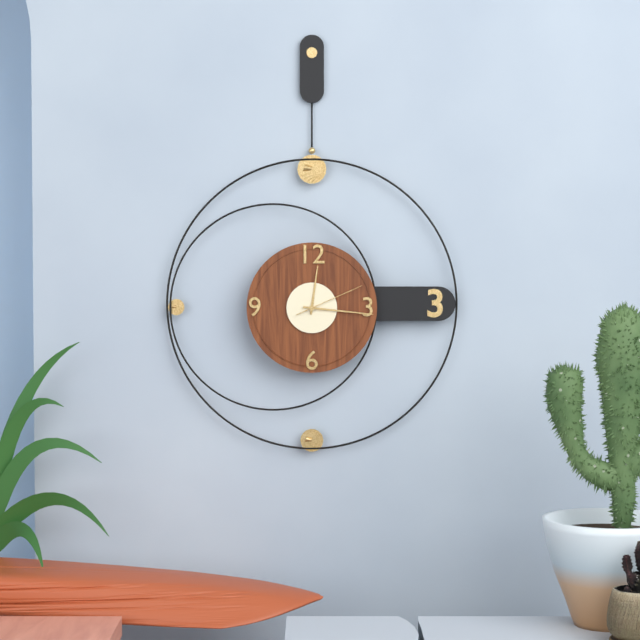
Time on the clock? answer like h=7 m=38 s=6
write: h=12 m=16 s=11
